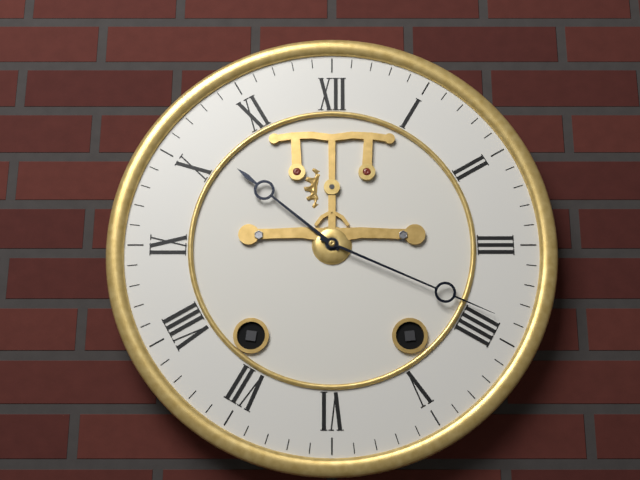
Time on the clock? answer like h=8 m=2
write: h=10 m=19
